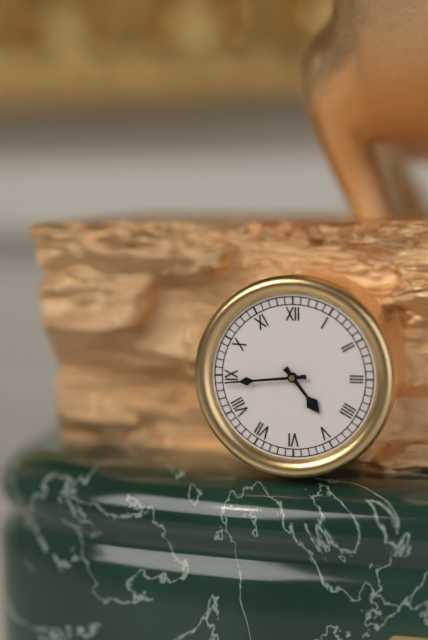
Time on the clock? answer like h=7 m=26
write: h=4 m=44
